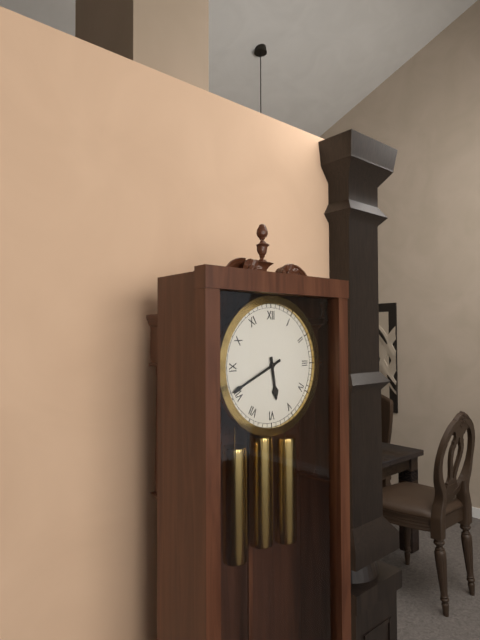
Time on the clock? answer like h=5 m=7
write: h=5 m=41
